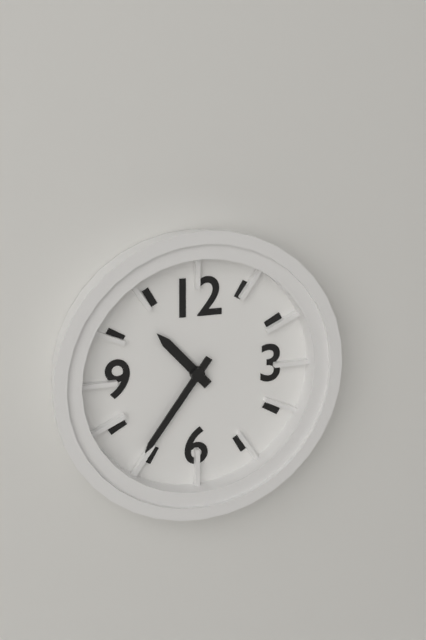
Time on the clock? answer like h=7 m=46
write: h=10 m=36
